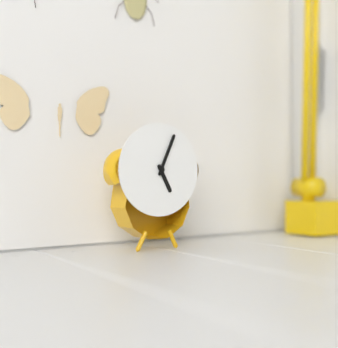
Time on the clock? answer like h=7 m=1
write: h=5 m=4
